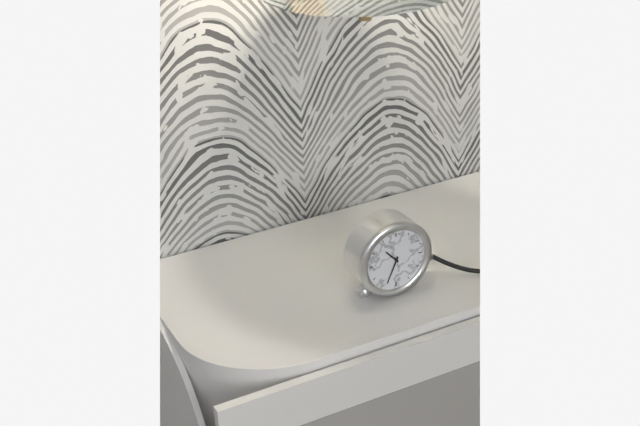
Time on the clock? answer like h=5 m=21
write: h=10 m=34
